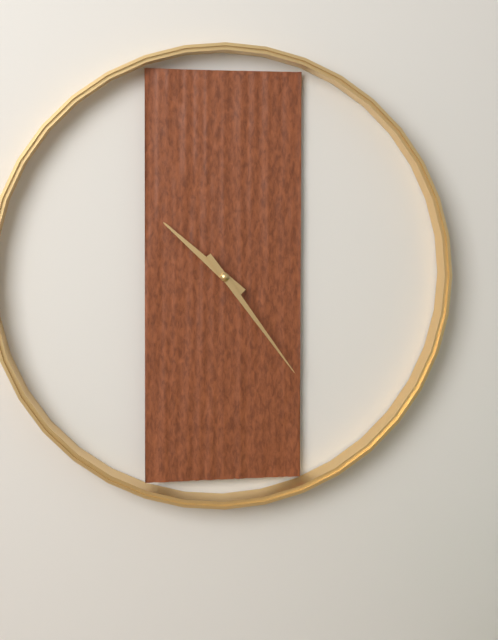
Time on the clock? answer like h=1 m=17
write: h=10 m=24
